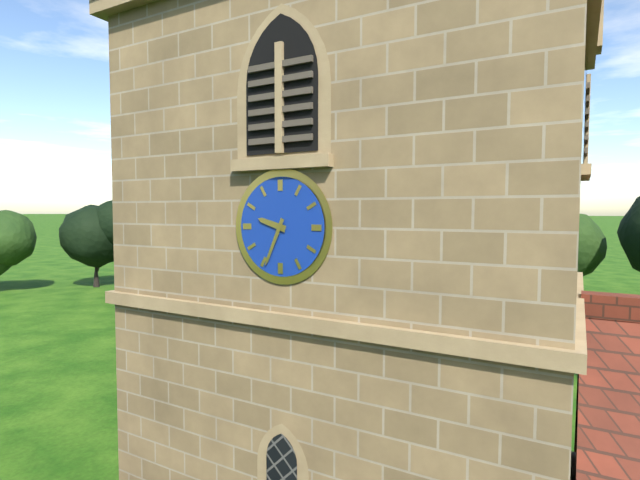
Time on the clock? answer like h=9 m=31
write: h=9 m=34
